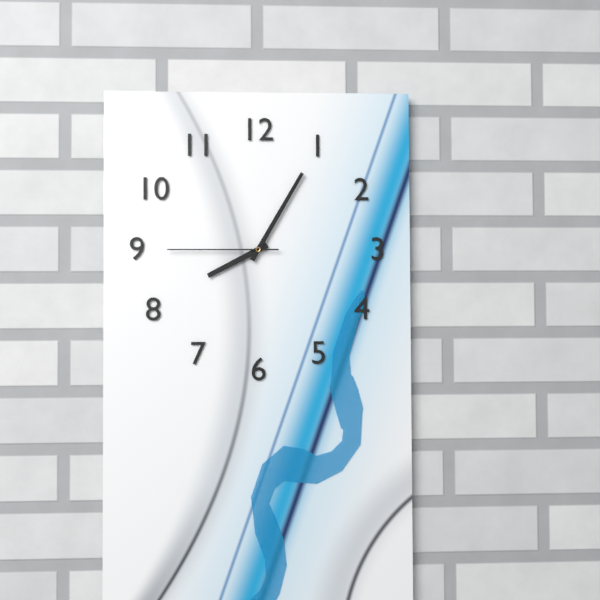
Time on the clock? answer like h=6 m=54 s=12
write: h=8 m=5 s=45
